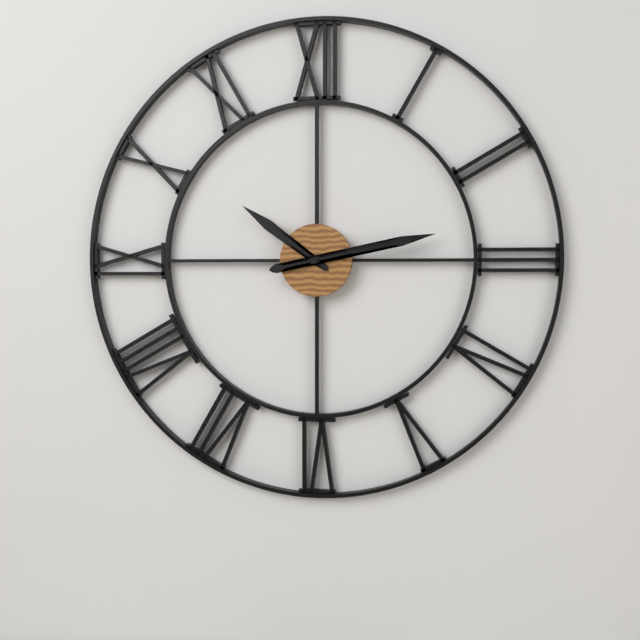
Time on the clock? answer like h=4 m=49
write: h=10 m=13
